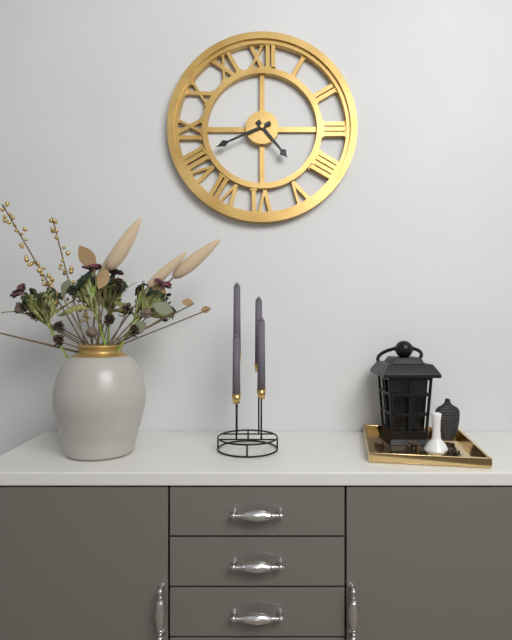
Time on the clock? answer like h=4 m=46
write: h=4 m=41
